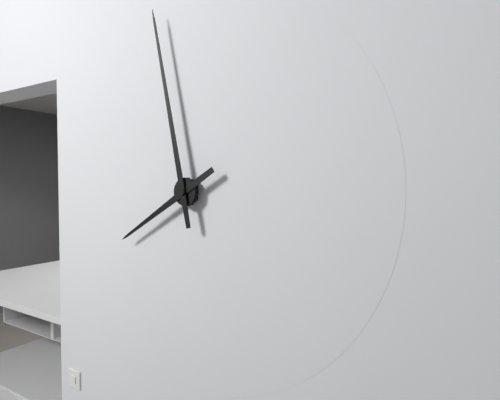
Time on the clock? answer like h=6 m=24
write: h=7 m=58
